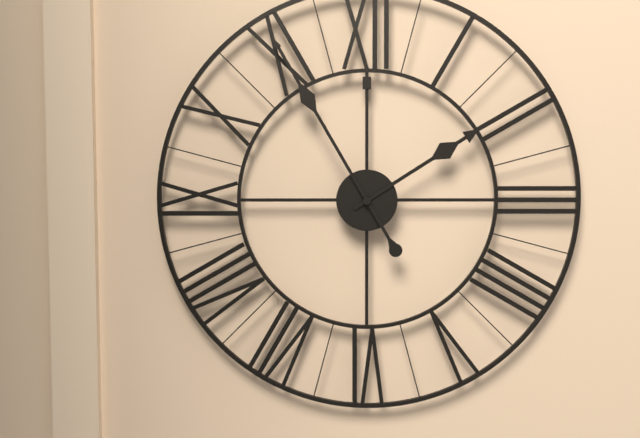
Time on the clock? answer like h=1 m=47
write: h=1 m=55
